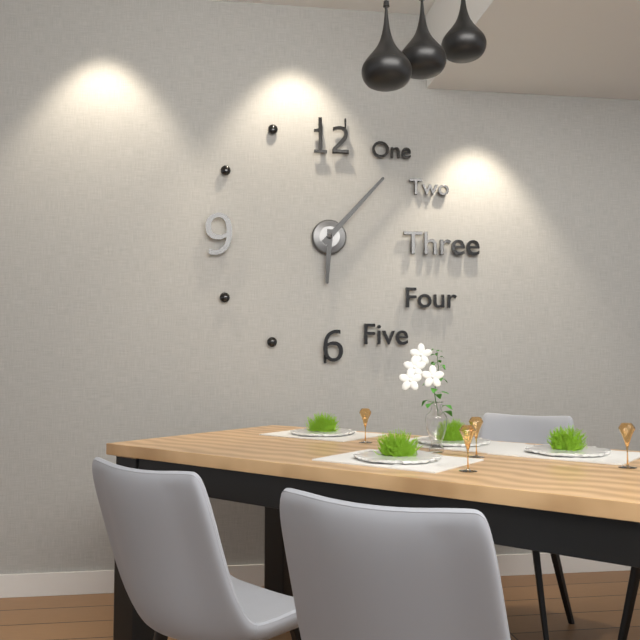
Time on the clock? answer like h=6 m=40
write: h=6 m=7
